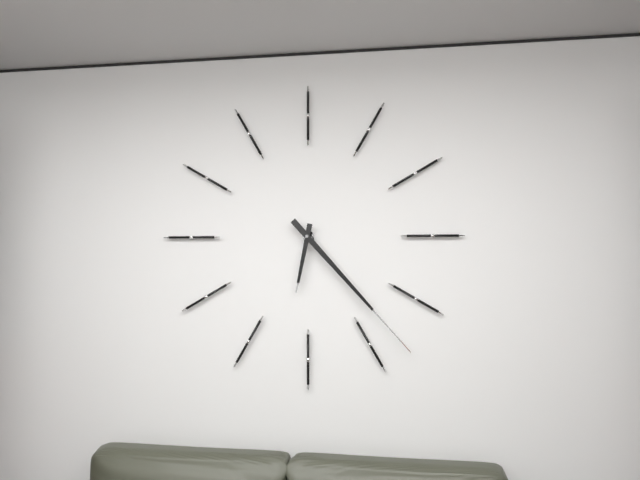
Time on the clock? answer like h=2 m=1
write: h=6 m=23
